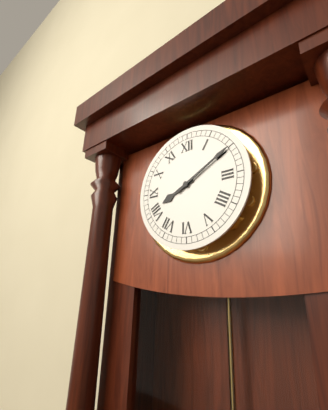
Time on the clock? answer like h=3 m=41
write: h=8 m=10
